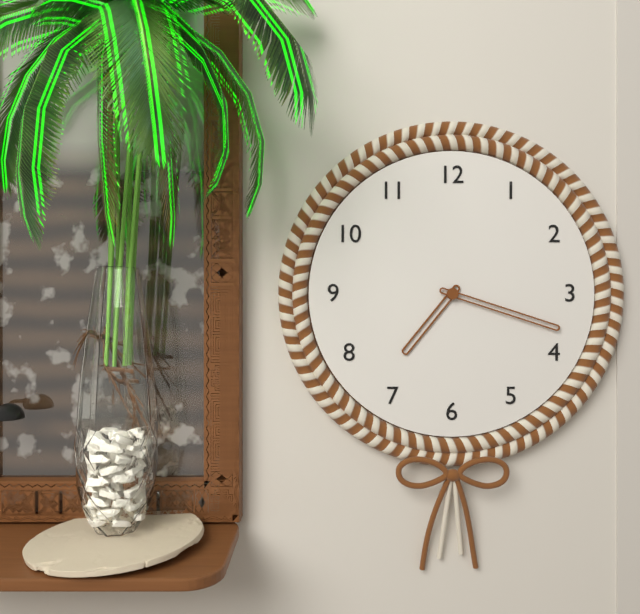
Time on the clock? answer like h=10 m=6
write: h=7 m=18
